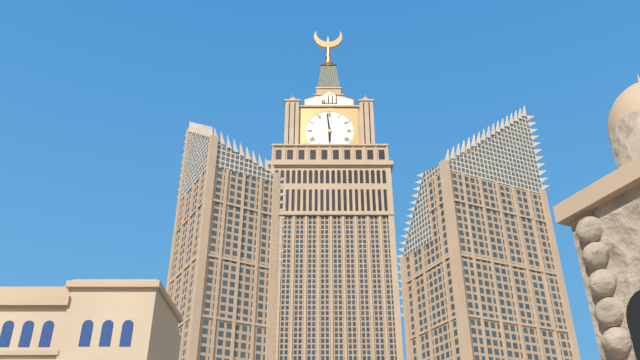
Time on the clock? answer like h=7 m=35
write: h=5 m=59
